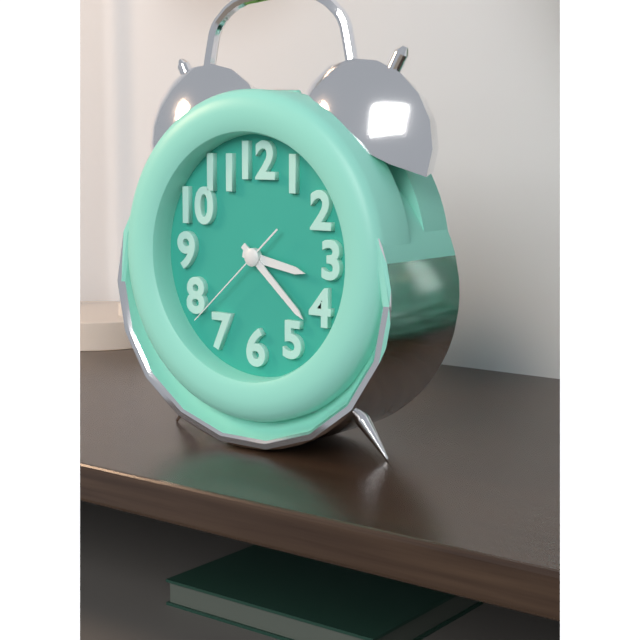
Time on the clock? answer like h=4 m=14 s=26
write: h=3 m=22 s=38
